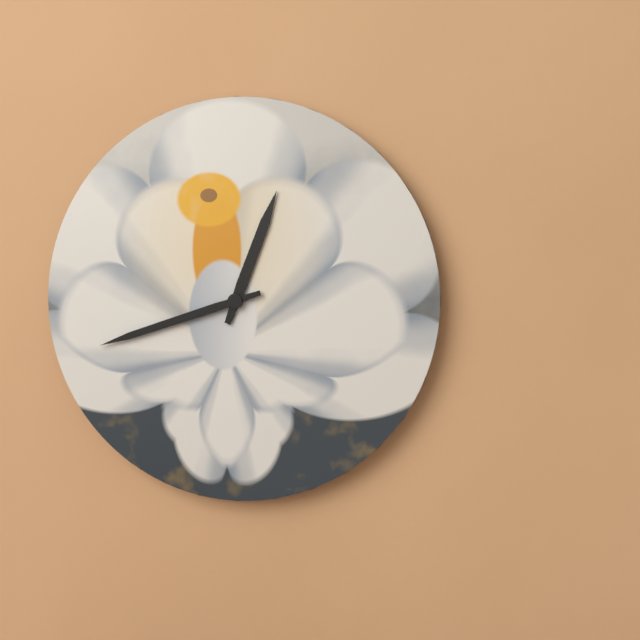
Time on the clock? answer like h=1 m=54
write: h=12 m=42
